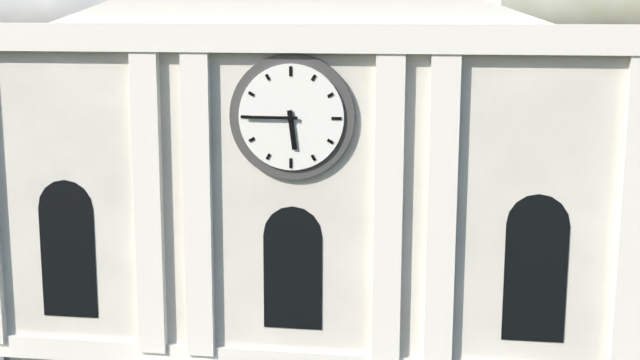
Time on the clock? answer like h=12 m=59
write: h=5 m=45
